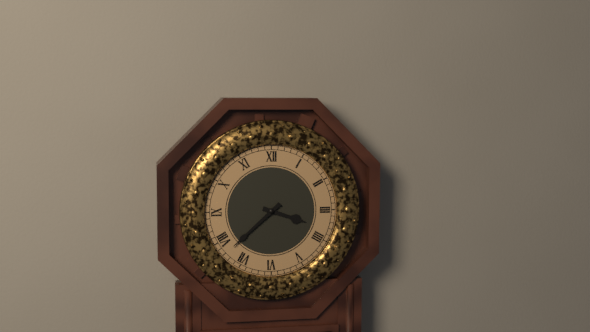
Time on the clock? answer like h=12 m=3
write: h=3 m=38
